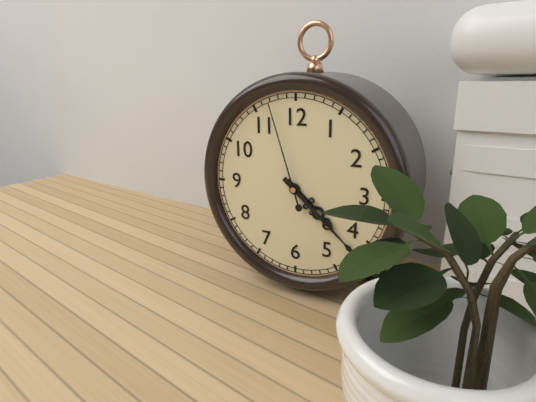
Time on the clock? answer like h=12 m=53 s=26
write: h=4 m=22 s=57
